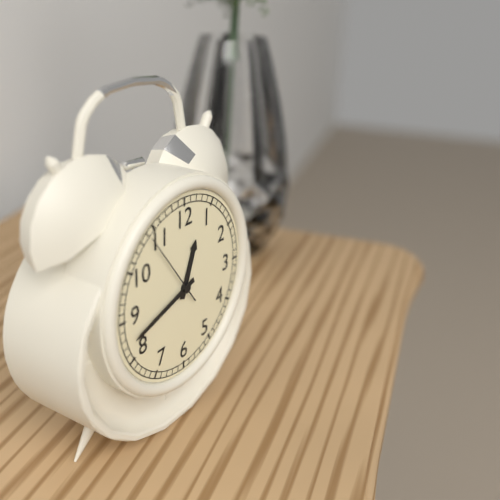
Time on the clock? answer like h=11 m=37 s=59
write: h=12 m=42 s=54
